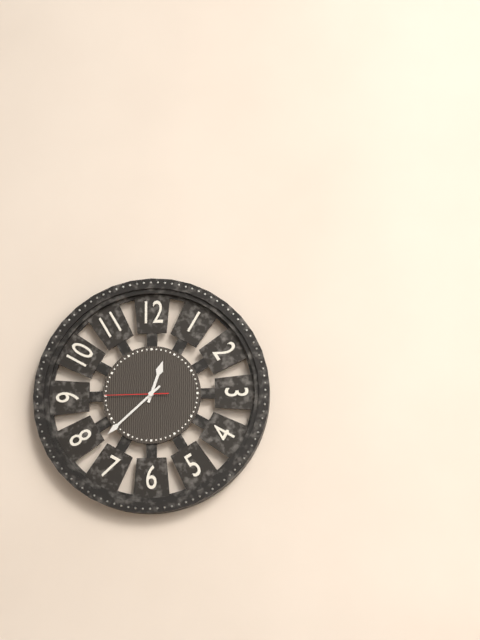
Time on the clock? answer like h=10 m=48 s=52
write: h=12 m=38 s=45
